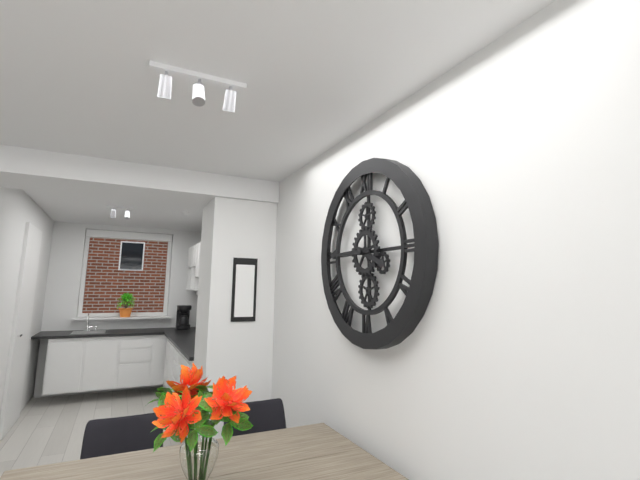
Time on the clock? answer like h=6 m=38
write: h=3 m=45
